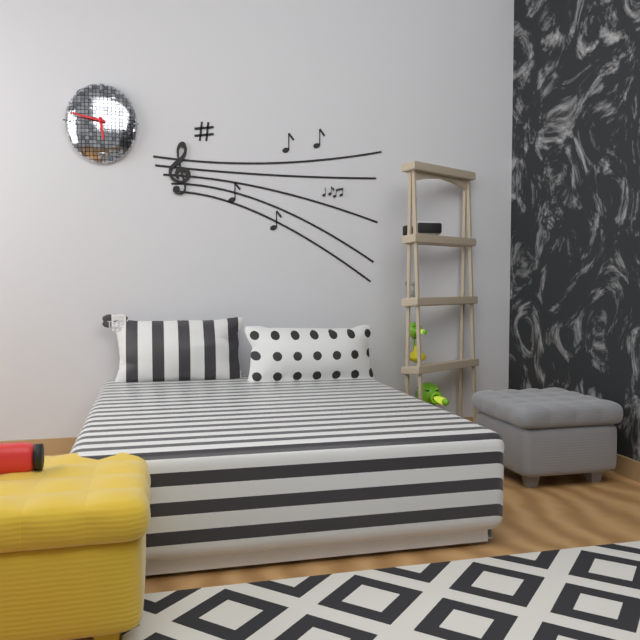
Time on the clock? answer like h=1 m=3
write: h=5 m=47
